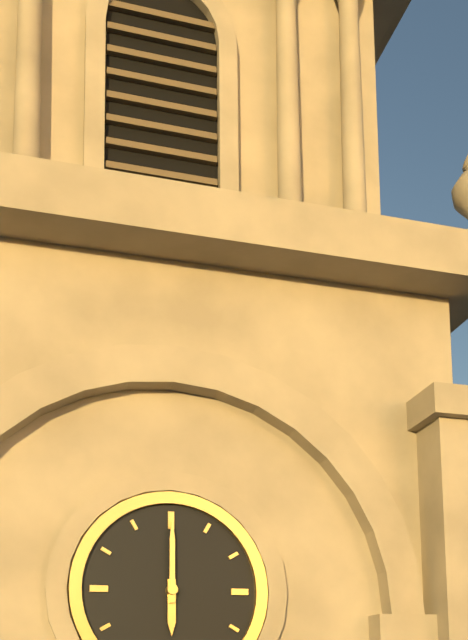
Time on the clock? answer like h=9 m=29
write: h=6 m=0
